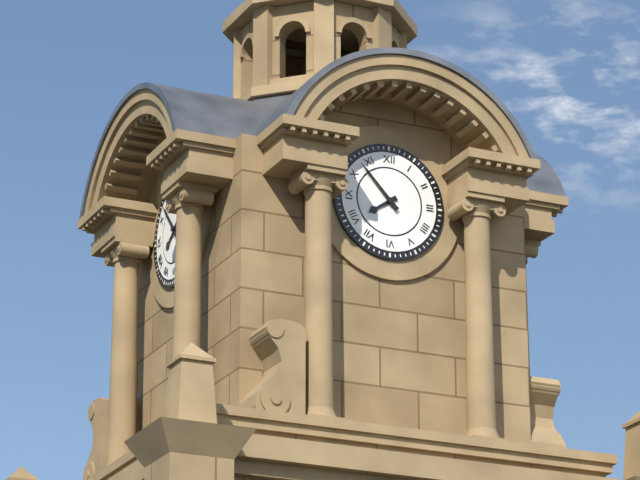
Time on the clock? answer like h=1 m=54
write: h=7 m=53
